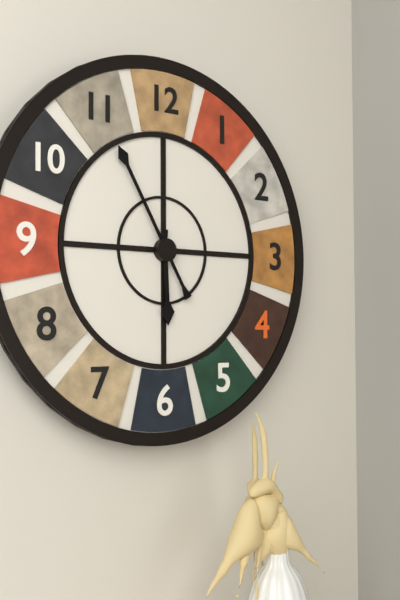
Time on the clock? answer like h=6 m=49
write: h=5 m=55
